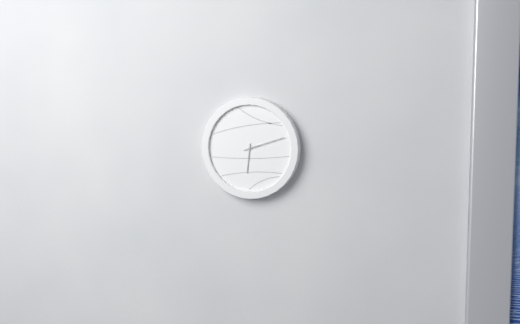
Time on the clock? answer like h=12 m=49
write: h=6 m=12
